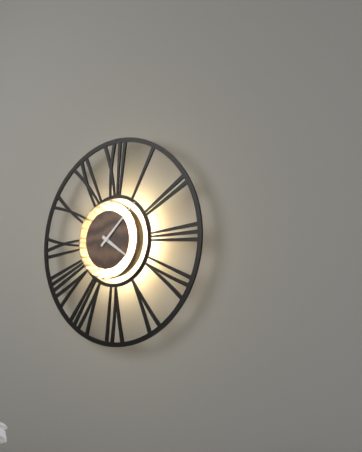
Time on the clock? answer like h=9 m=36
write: h=4 m=8
